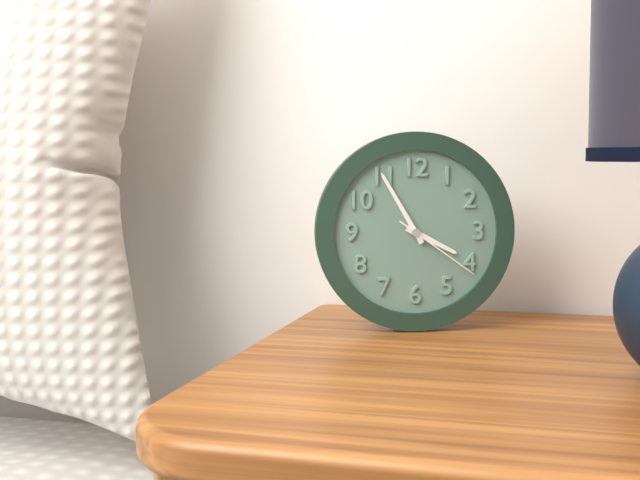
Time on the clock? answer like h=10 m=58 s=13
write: h=3 m=55 s=21
